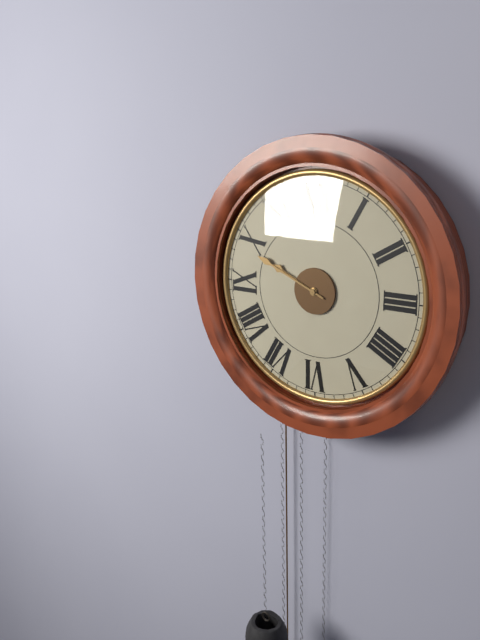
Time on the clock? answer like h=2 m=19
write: h=9 m=49
